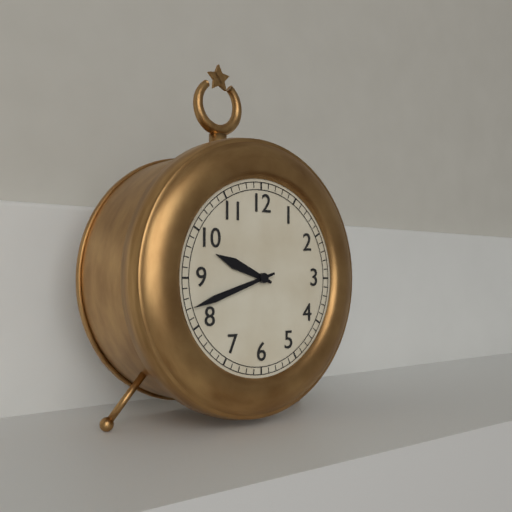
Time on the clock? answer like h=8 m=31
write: h=9 m=42
